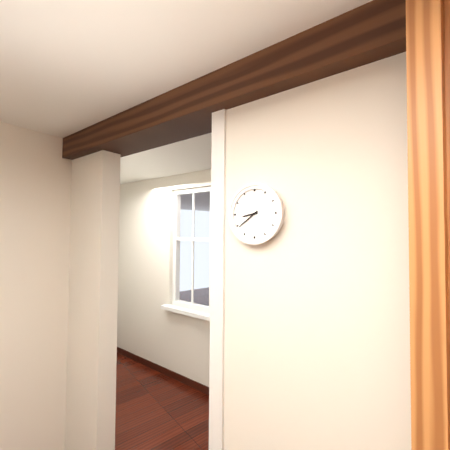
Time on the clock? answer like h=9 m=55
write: h=8 m=39
